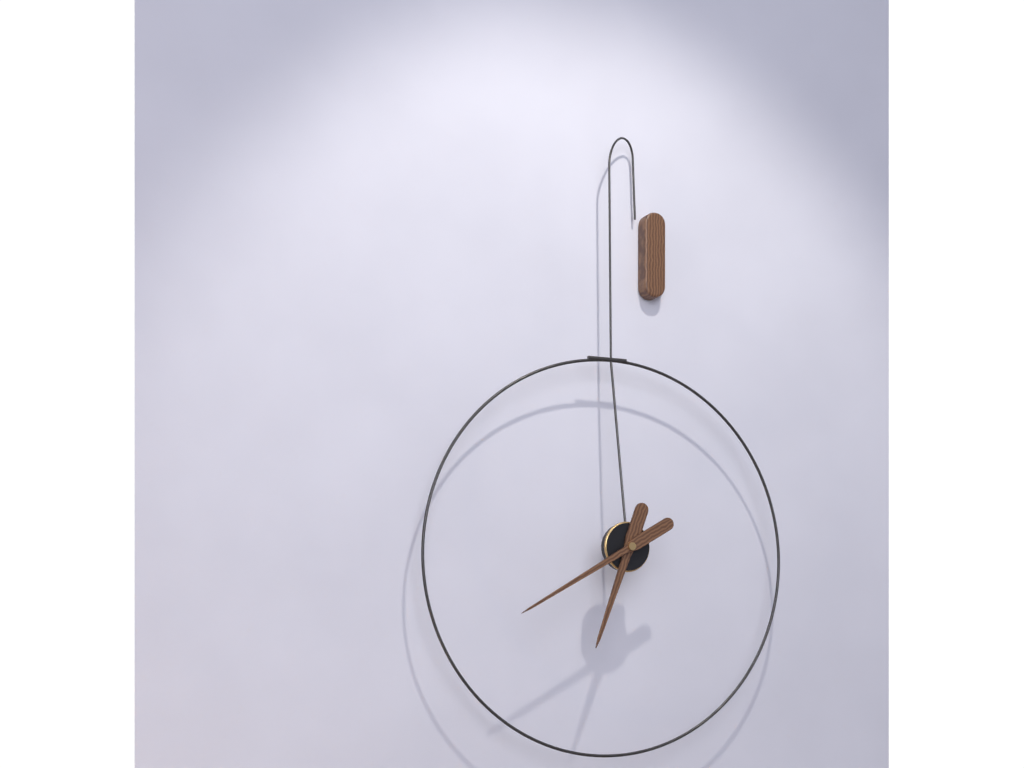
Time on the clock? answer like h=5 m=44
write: h=6 m=40
